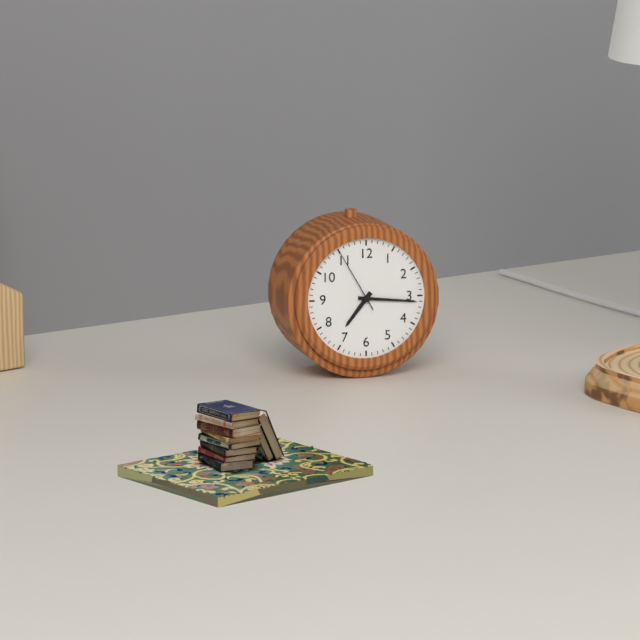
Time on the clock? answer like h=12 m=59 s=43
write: h=7 m=16 s=55
